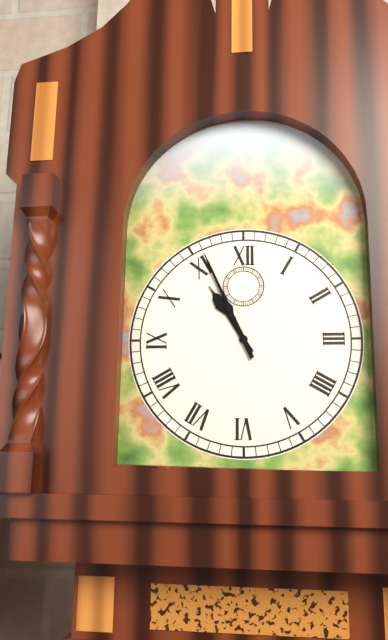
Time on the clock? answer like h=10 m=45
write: h=10 m=56
